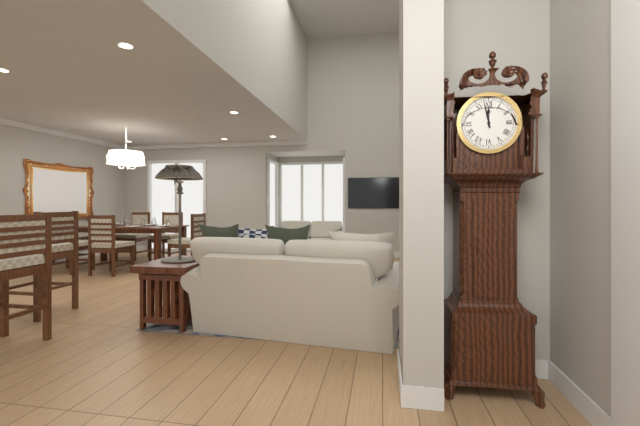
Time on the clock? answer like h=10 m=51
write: h=11 m=58
